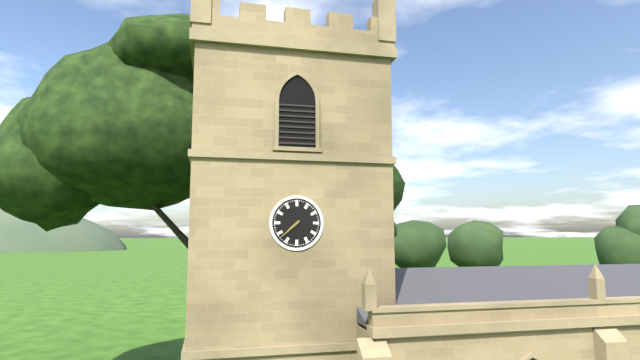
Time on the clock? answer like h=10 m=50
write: h=7 m=38
